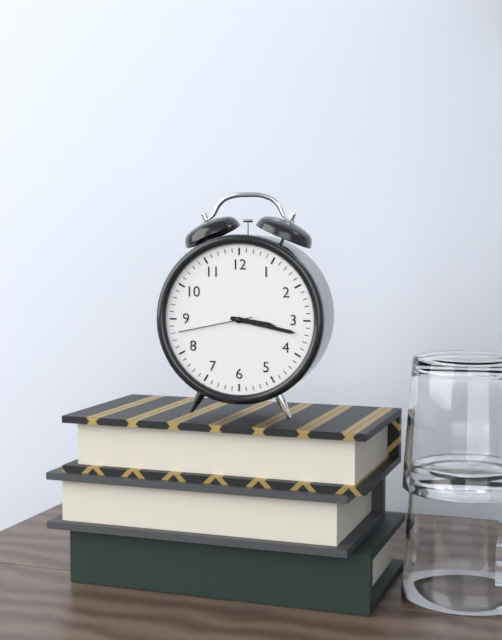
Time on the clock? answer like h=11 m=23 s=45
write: h=3 m=17 s=43
